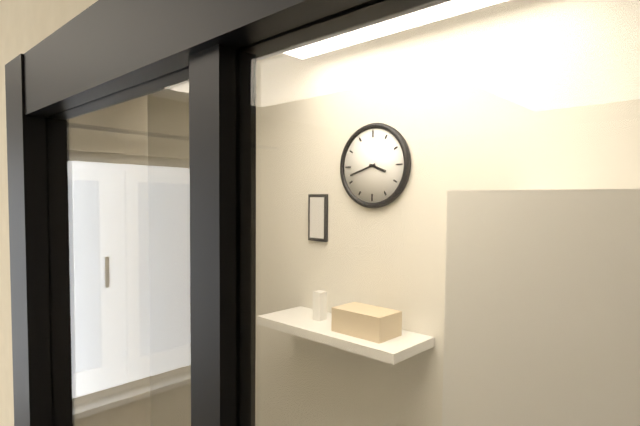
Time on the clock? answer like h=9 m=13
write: h=3 m=42
